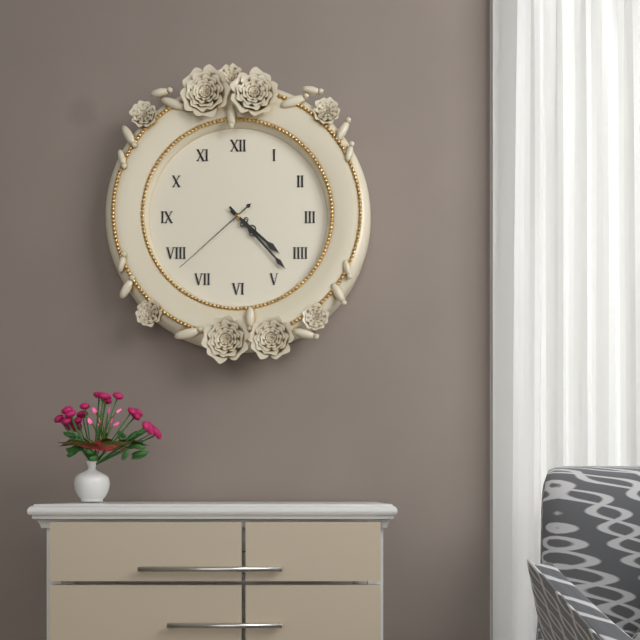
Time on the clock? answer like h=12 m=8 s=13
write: h=4 m=23 s=38
